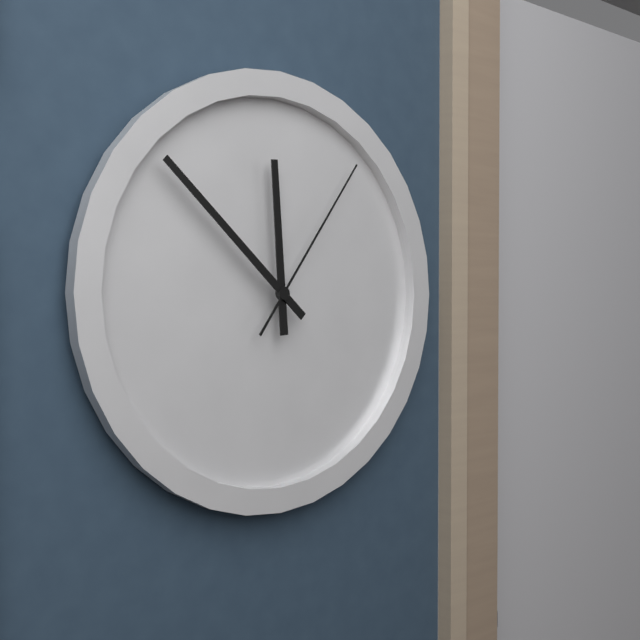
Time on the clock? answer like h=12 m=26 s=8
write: h=11 m=52 s=6
